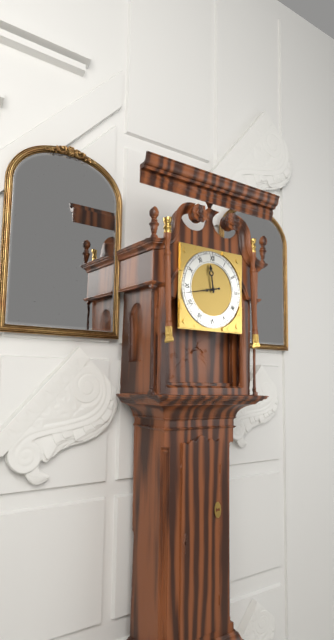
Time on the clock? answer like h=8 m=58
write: h=11 m=43
